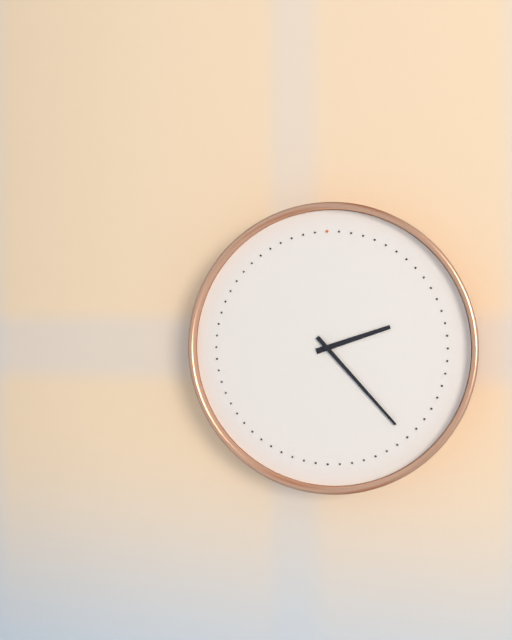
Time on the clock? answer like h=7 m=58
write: h=2 m=23
